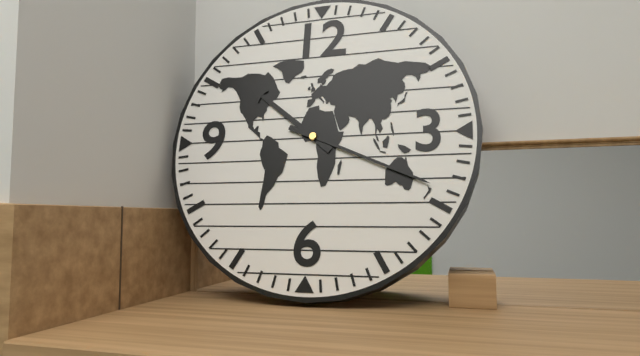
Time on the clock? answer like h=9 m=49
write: h=10 m=19
